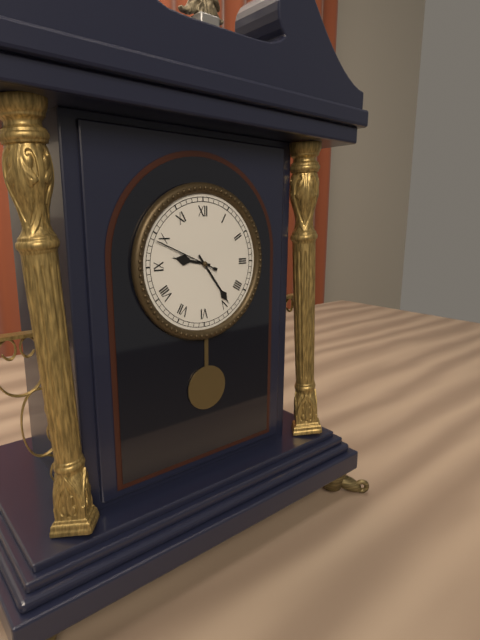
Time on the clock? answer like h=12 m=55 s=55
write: h=9 m=24 s=49
